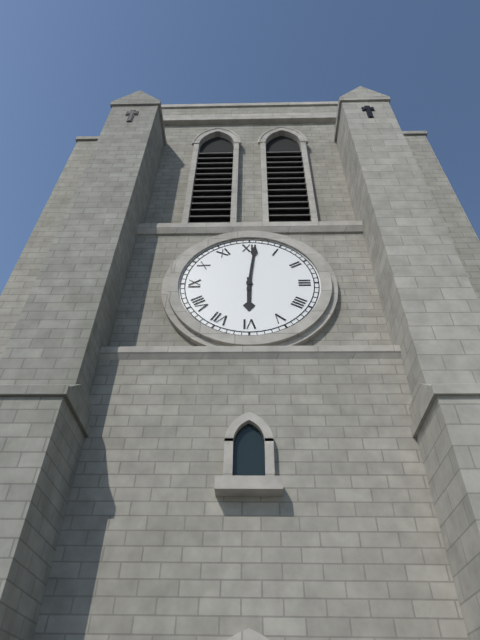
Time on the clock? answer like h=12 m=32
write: h=6 m=1
